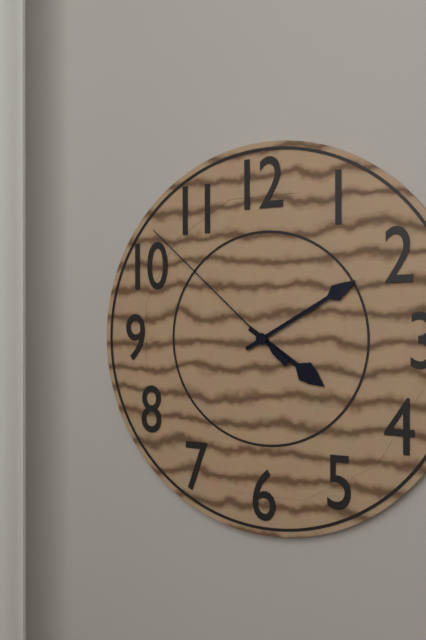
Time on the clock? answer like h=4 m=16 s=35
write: h=4 m=10 s=52
